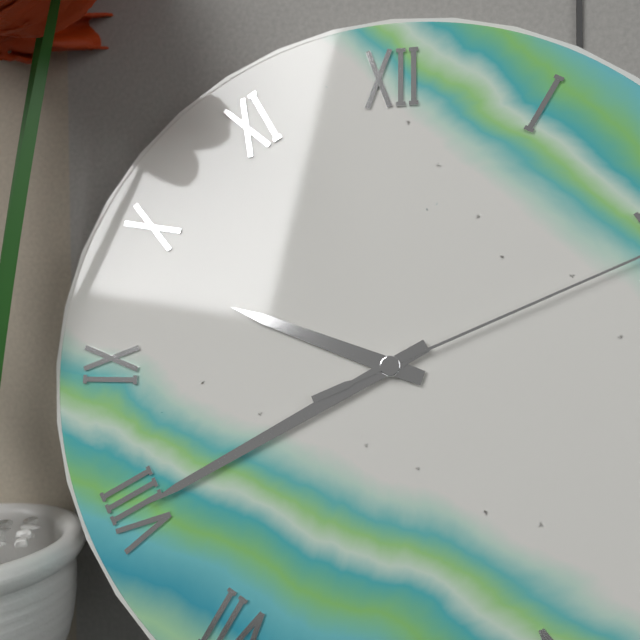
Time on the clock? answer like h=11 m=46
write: h=9 m=40
